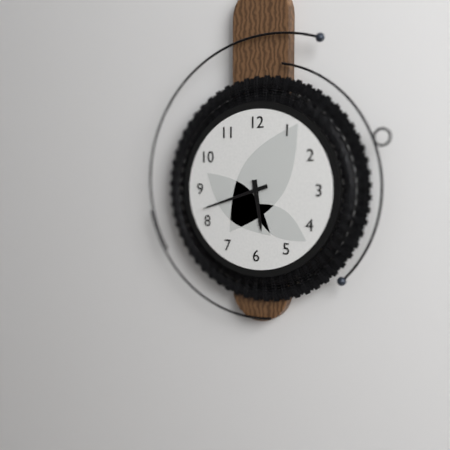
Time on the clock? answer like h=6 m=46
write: h=5 m=42
